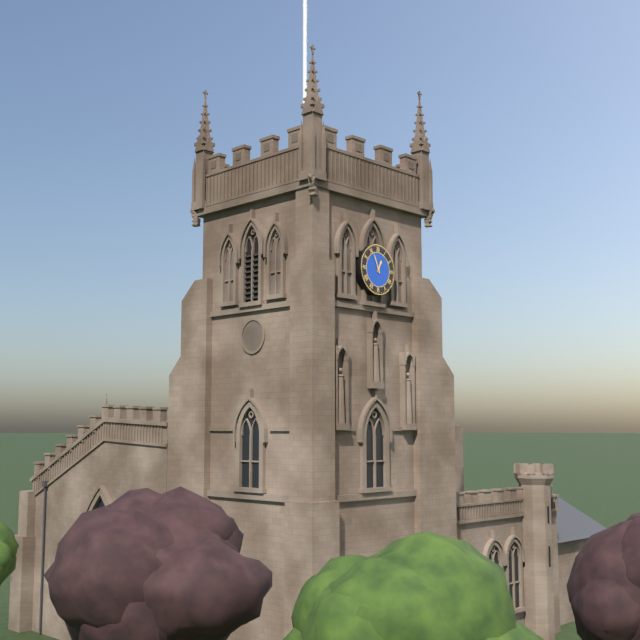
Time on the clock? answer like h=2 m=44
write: h=12 m=56
